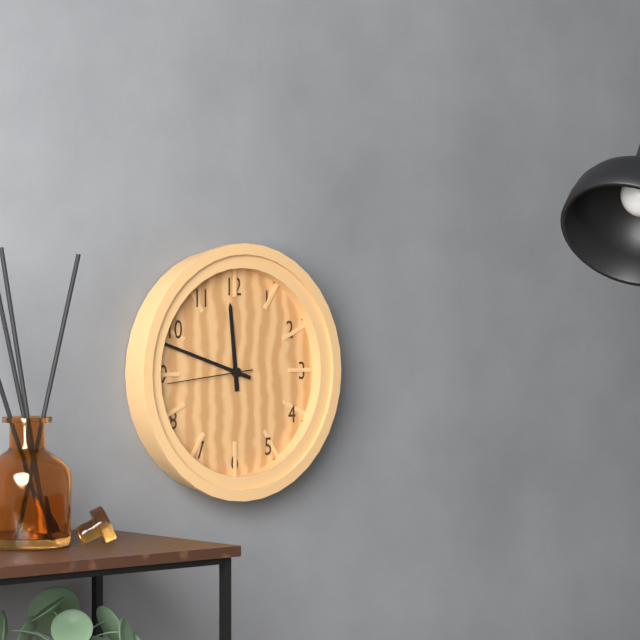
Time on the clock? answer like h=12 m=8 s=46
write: h=11 m=48 s=44
